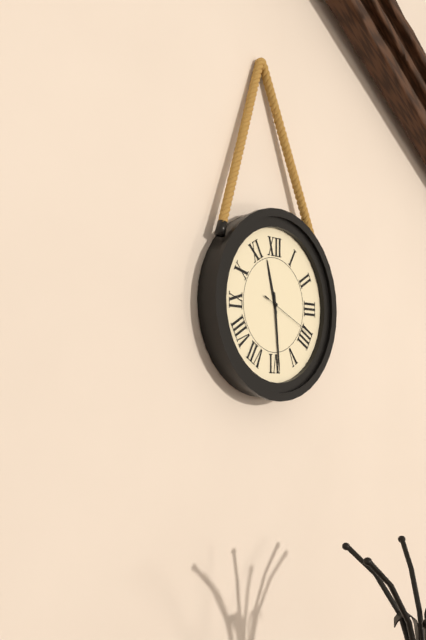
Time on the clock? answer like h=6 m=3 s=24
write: h=11 m=29 s=19
